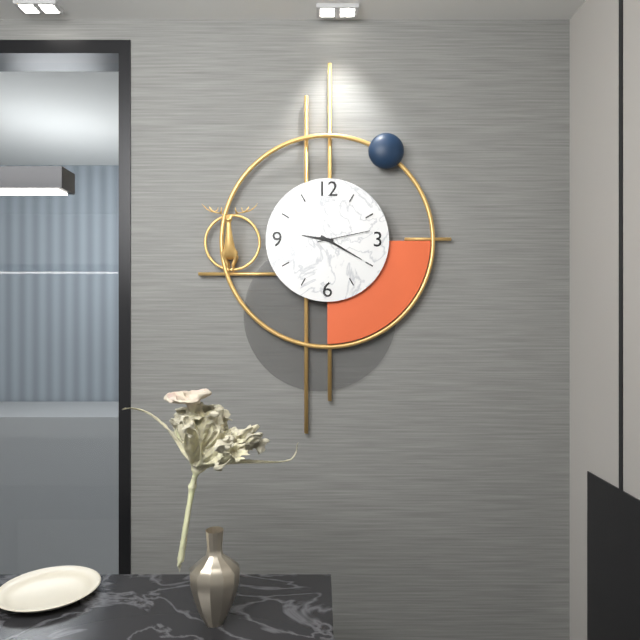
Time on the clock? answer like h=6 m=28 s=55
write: h=9 m=20 s=13
